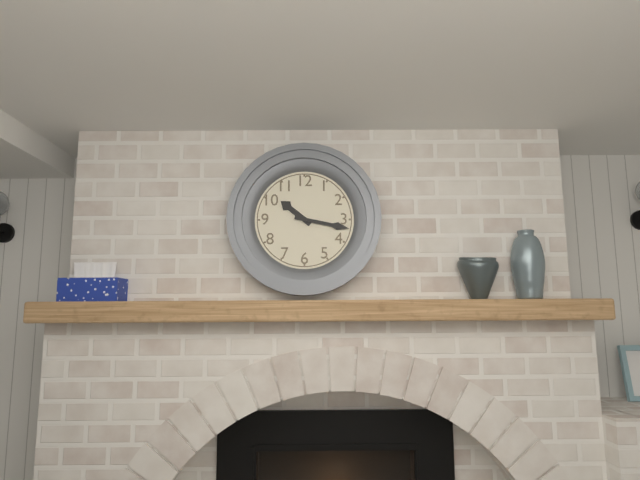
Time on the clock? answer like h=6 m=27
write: h=10 m=17
